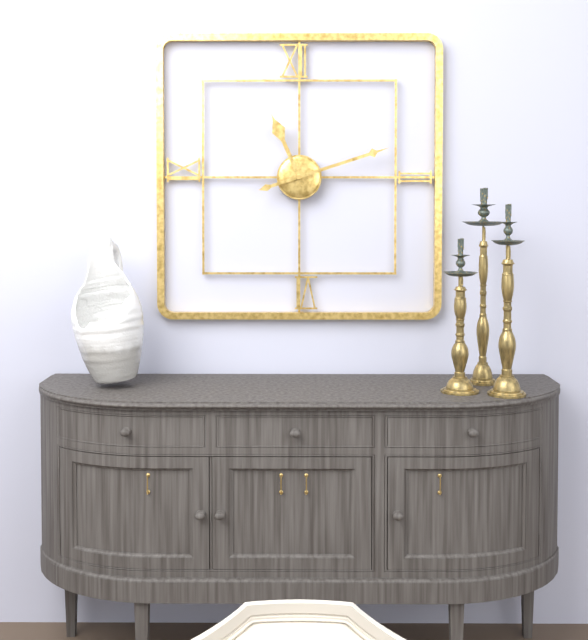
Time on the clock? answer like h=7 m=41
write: h=11 m=12
